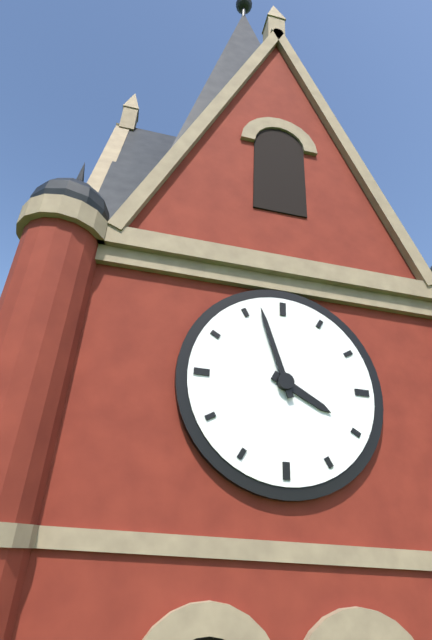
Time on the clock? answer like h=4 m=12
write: h=3 m=57
